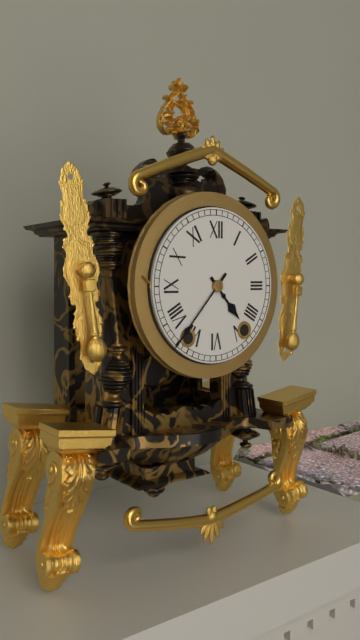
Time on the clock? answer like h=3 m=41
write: h=4 m=37
